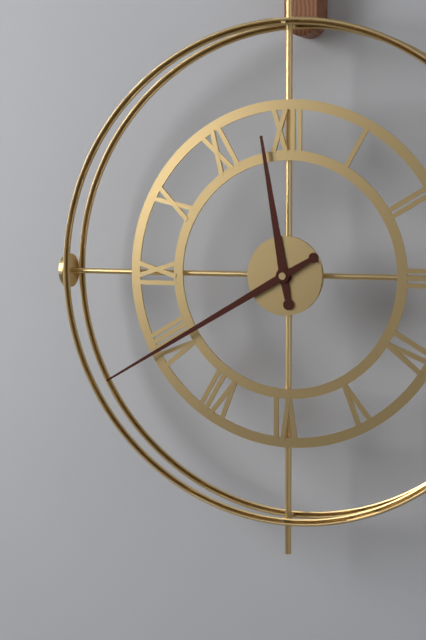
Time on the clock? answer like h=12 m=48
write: h=11 m=40
